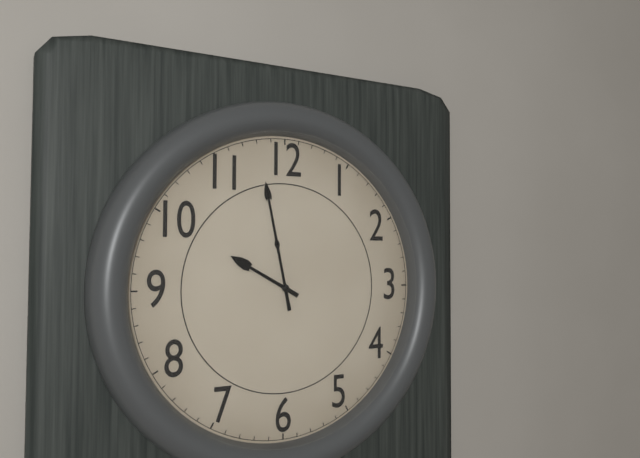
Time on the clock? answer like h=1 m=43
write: h=9 m=58
